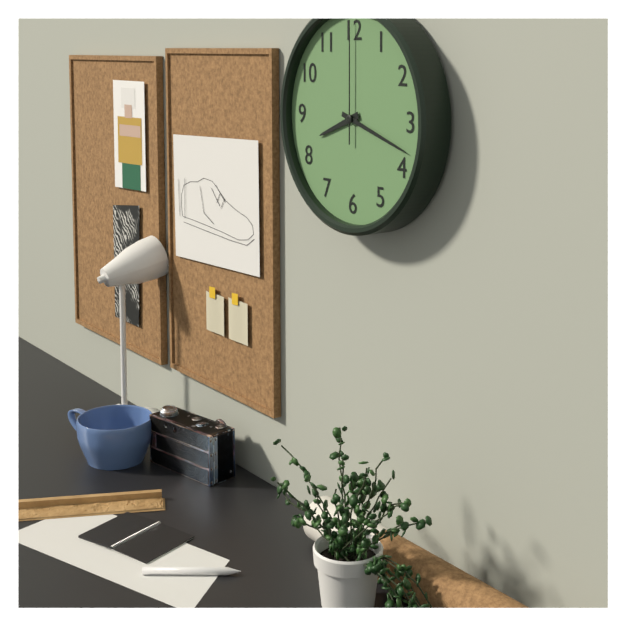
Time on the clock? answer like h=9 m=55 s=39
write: h=8 m=18 s=0
